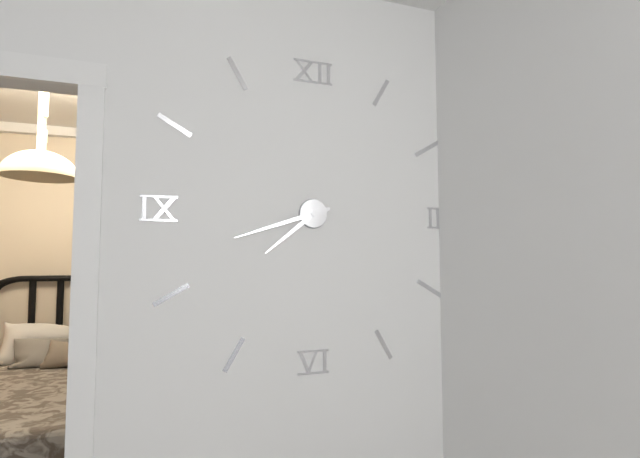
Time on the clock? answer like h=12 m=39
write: h=7 m=42
